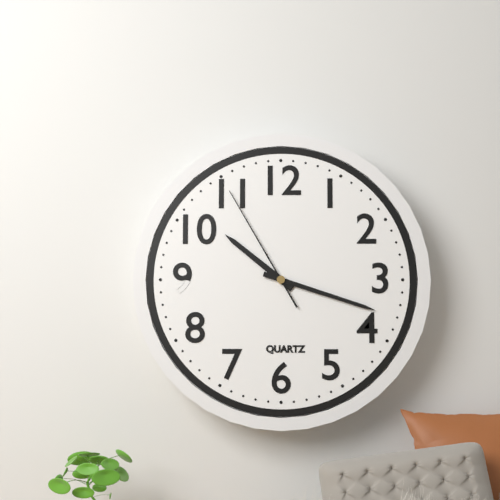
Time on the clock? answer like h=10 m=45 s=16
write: h=10 m=18 s=55
